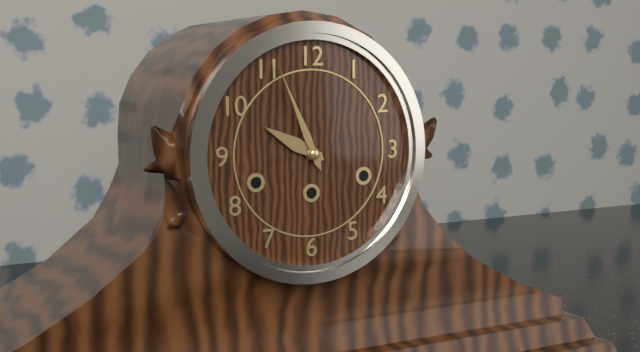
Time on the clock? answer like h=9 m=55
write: h=9 m=56
